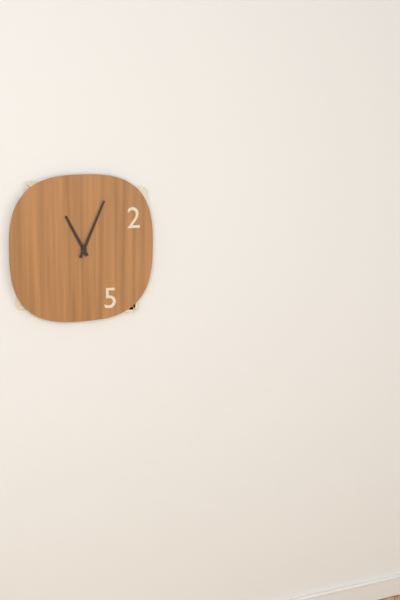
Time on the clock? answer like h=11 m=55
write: h=11 m=4
